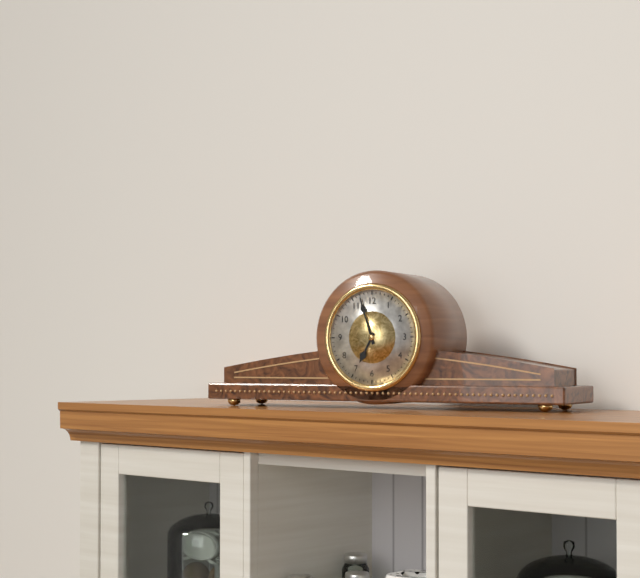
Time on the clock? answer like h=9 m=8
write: h=6 m=57
